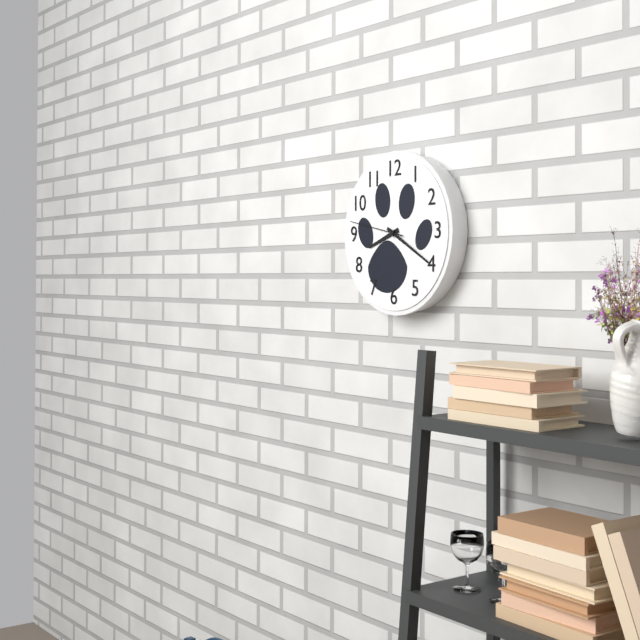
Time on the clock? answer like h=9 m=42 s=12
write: h=8 m=20 s=47
